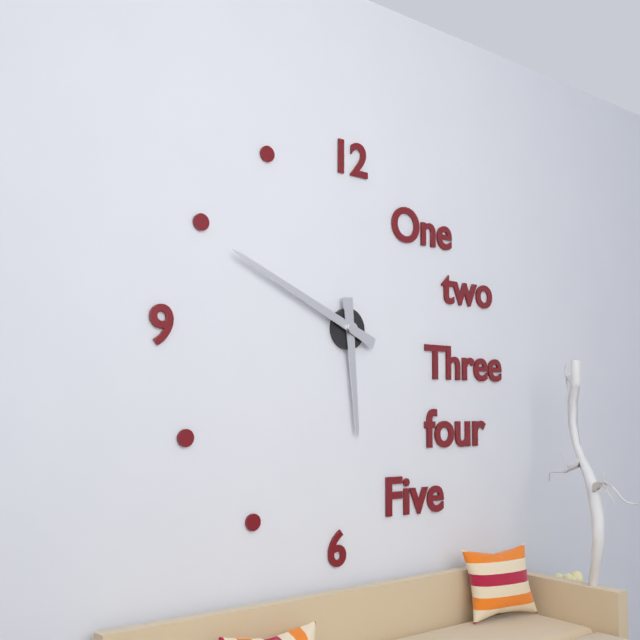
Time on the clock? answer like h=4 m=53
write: h=5 m=49
